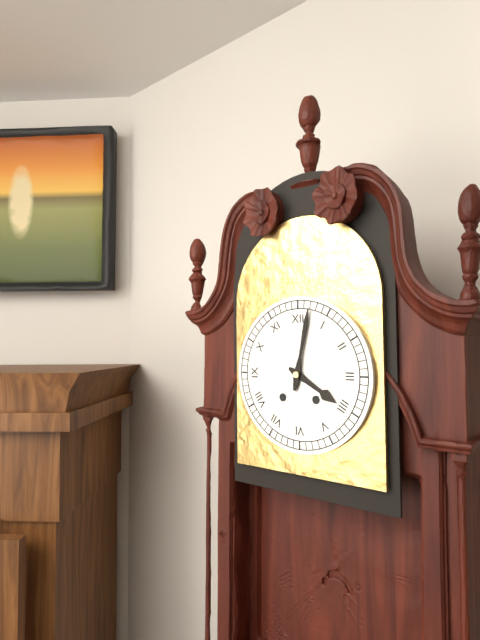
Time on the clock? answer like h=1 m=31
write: h=4 m=2
